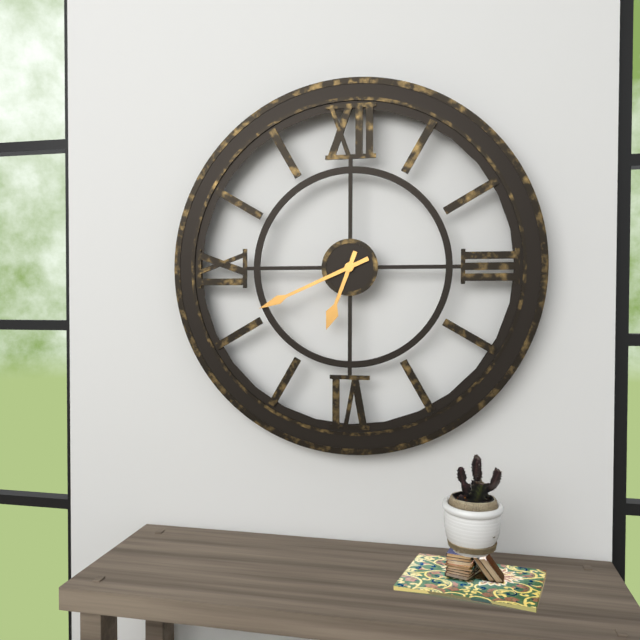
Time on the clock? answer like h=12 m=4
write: h=6 m=41
